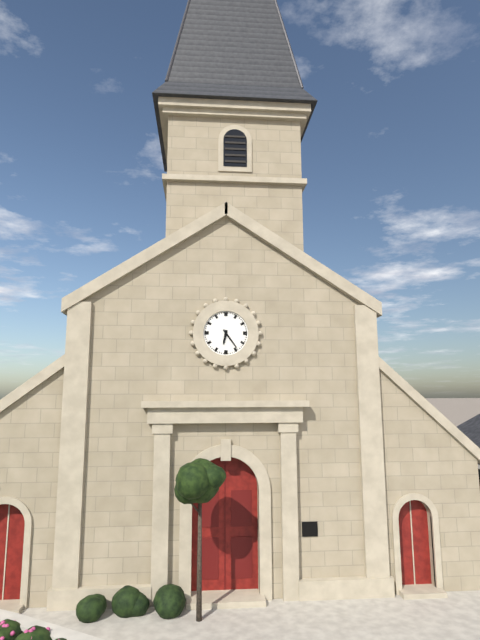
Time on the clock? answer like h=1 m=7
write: h=6 m=24
